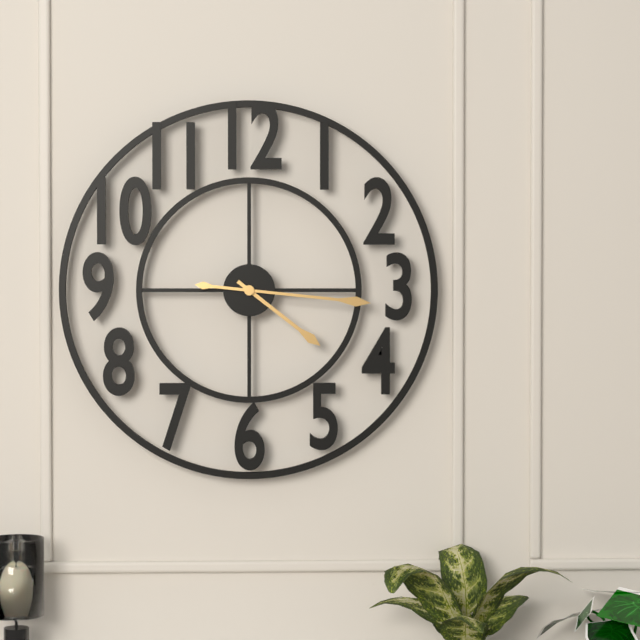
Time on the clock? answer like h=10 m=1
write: h=4 m=16
